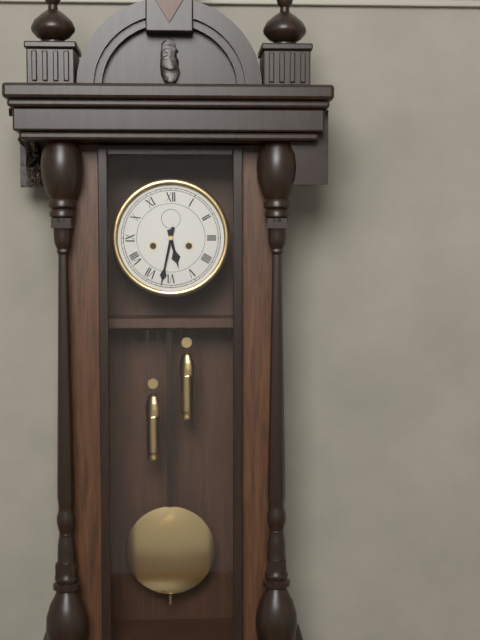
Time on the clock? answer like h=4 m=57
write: h=5 m=32
